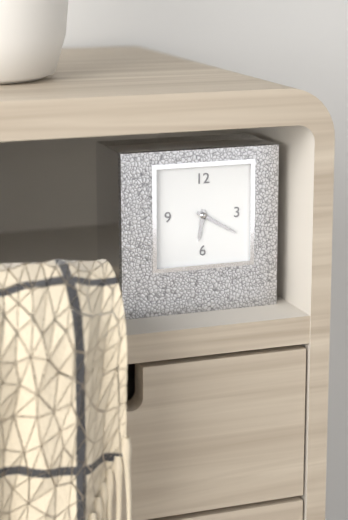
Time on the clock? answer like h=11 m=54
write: h=6 m=20
